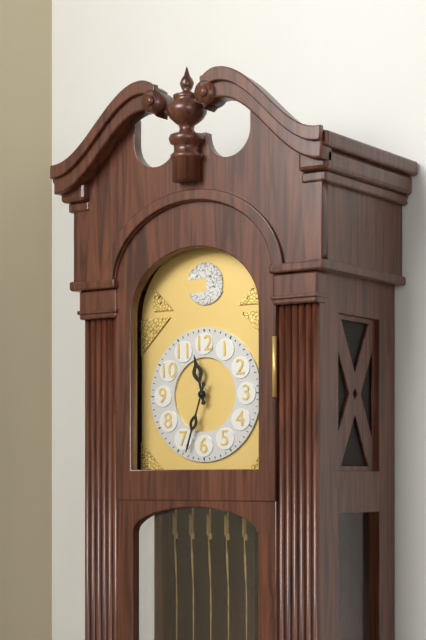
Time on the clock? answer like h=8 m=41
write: h=11 m=33
